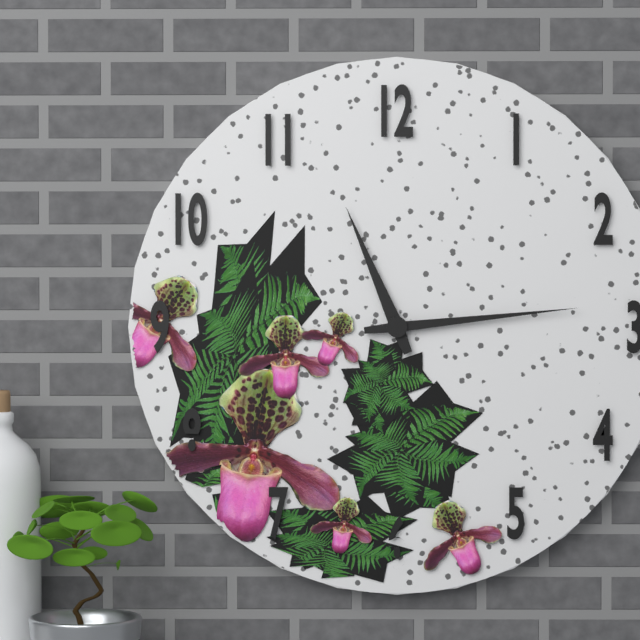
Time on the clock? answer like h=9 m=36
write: h=11 m=14
